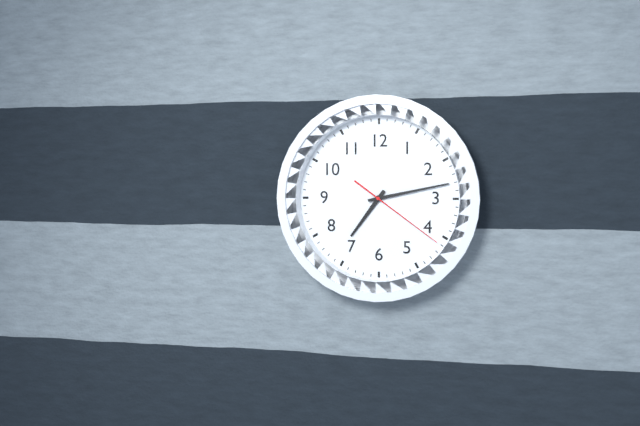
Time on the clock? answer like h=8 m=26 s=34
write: h=7 m=13 s=21
